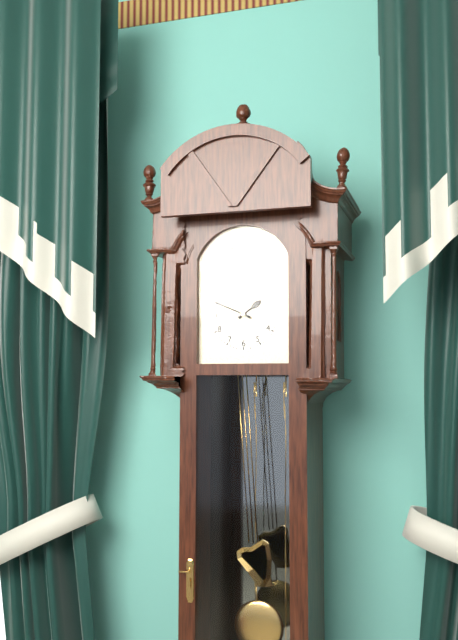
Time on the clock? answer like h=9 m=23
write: h=1 m=49
